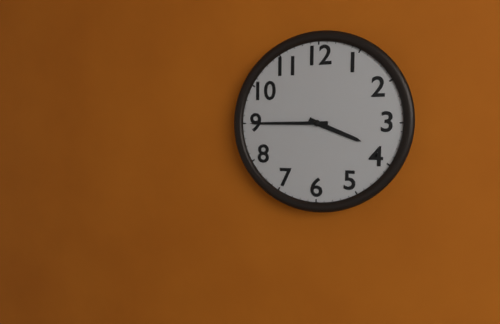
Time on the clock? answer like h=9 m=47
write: h=3 m=45
